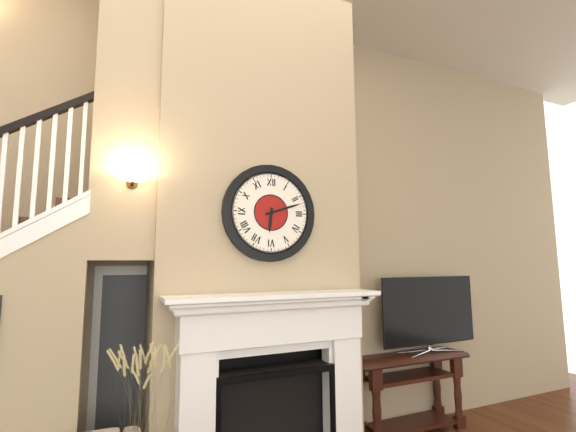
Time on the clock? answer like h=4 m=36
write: h=6 m=12
